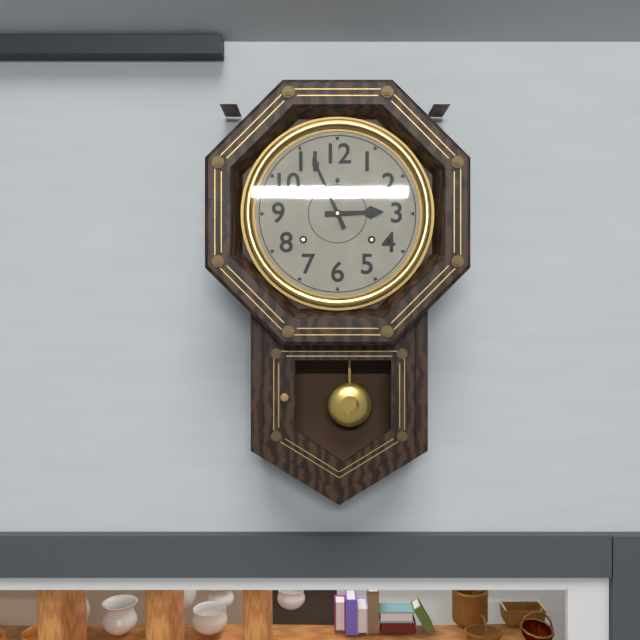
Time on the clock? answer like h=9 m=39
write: h=2 m=56
